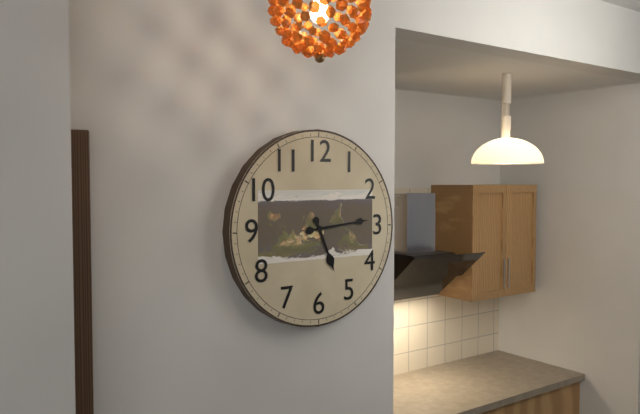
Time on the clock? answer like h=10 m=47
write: h=5 m=14
